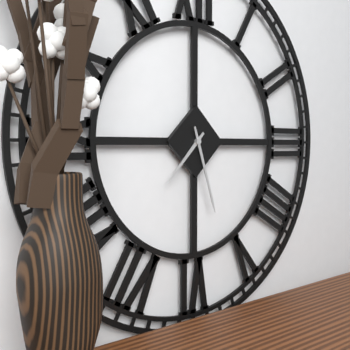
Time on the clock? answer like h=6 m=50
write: h=7 m=27
